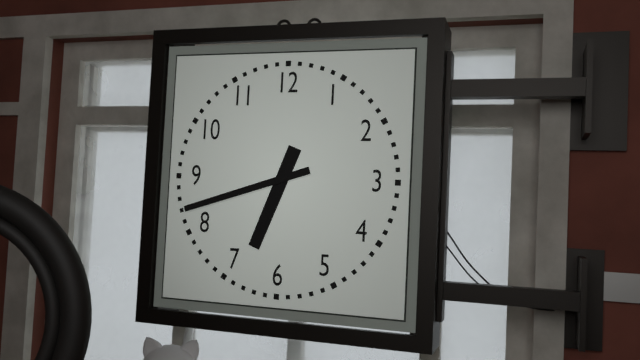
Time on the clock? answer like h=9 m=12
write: h=6 m=42
